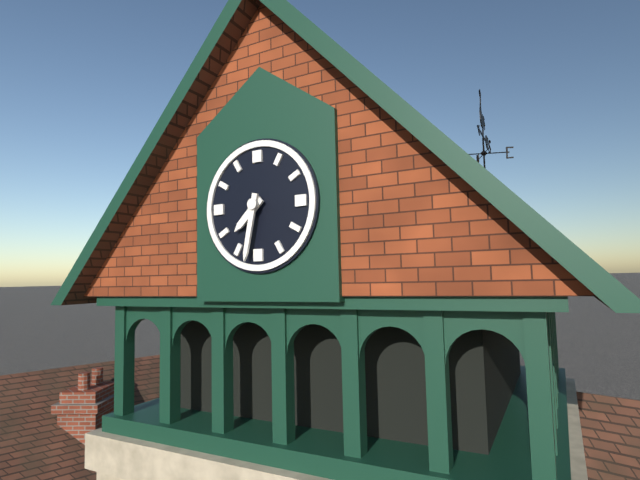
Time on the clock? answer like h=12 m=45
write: h=7 m=32
